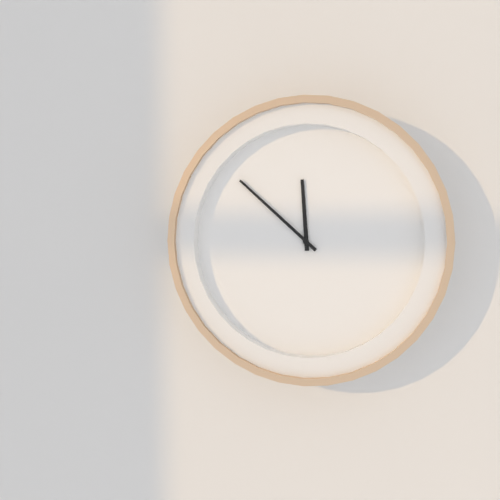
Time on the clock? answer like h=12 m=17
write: h=11 m=52
